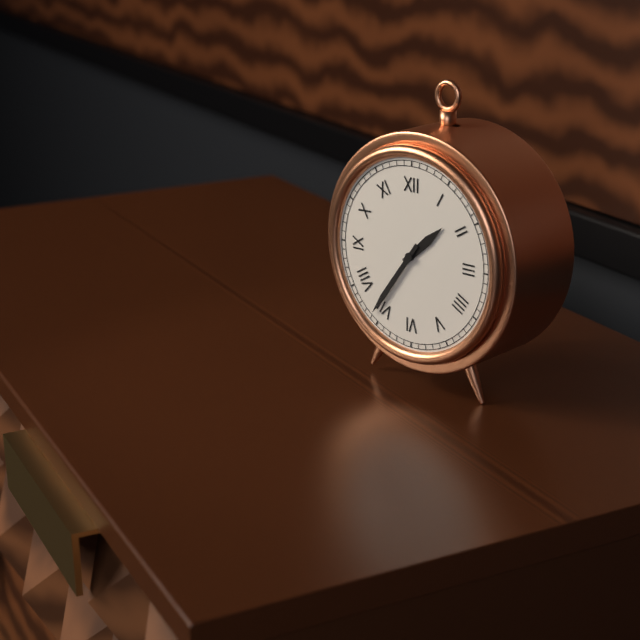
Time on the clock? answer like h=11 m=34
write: h=1 m=36
